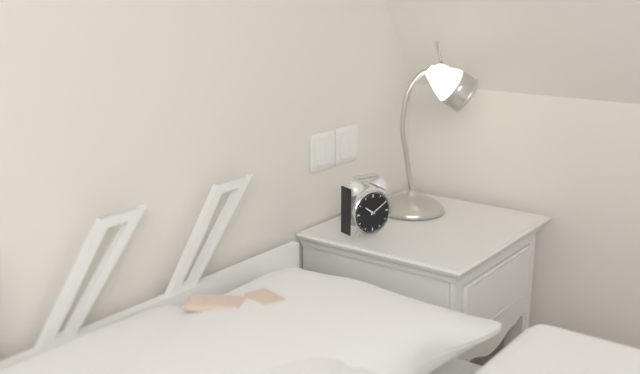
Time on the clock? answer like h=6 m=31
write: h=10 m=10
